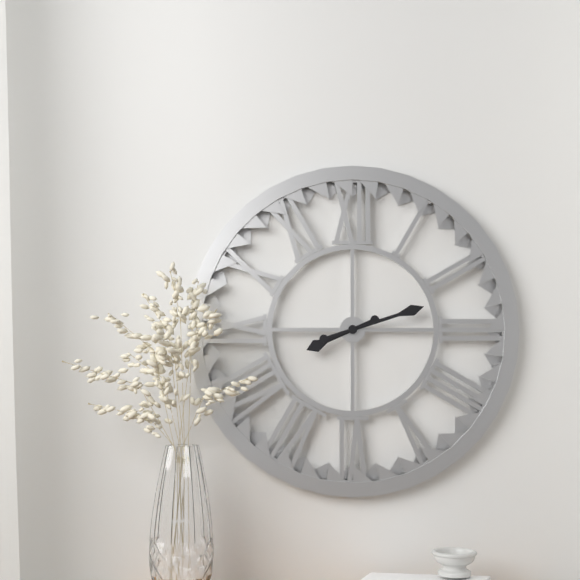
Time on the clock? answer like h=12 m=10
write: h=8 m=12
